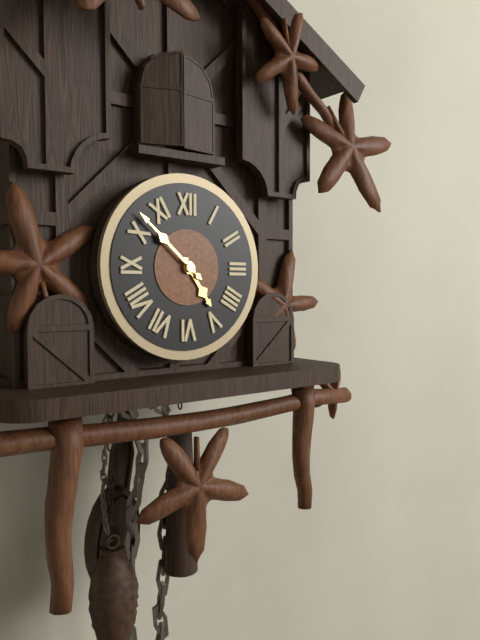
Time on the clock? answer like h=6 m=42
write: h=4 m=52
